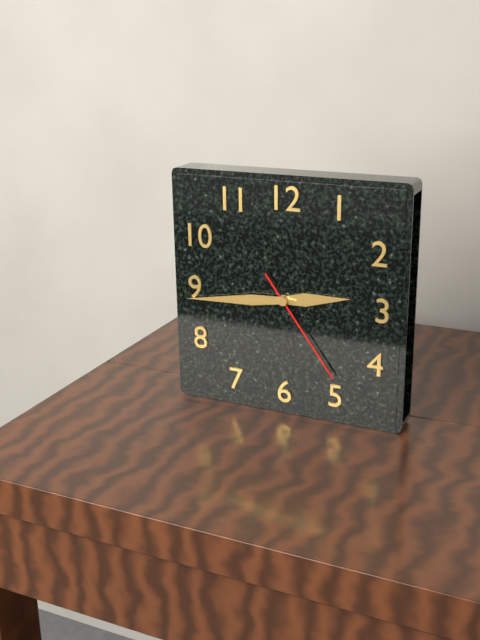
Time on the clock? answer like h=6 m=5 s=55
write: h=2 m=44 s=24
